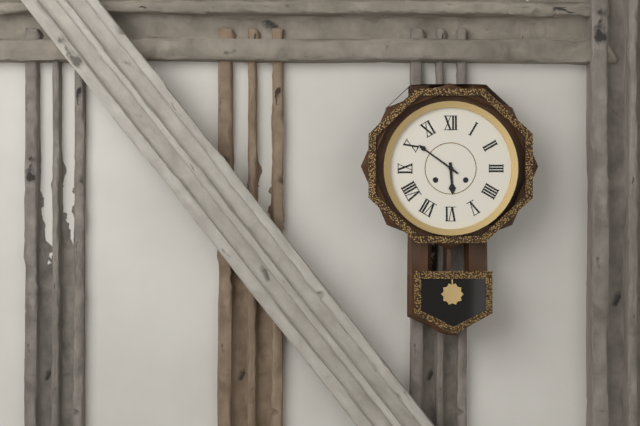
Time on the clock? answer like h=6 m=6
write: h=5 m=51
